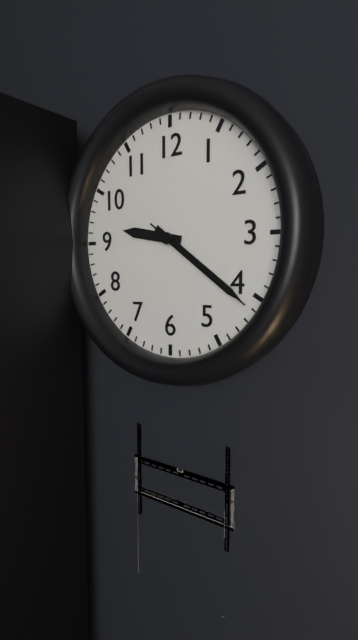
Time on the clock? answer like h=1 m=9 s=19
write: h=9 m=21 s=21
